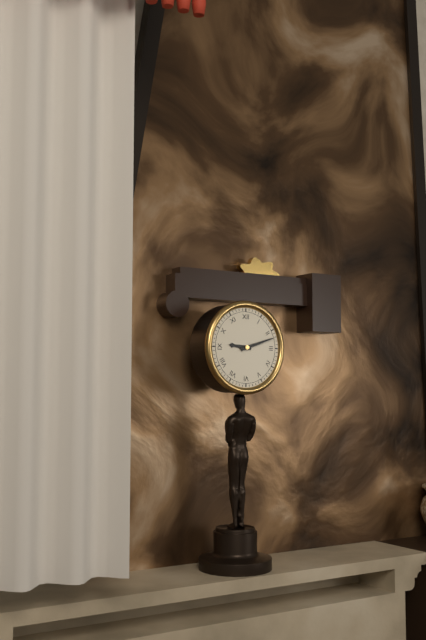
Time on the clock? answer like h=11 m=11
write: h=9 m=12
